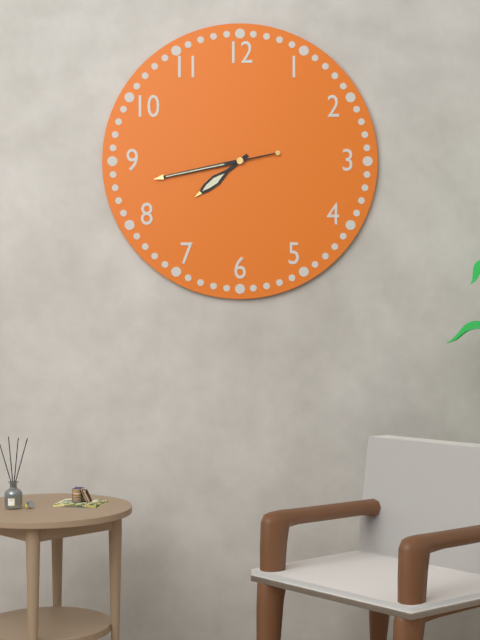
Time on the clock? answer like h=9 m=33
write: h=7 m=43
